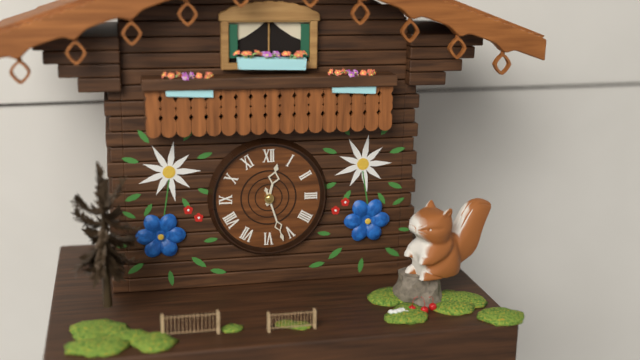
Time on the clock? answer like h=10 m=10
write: h=12 m=27
